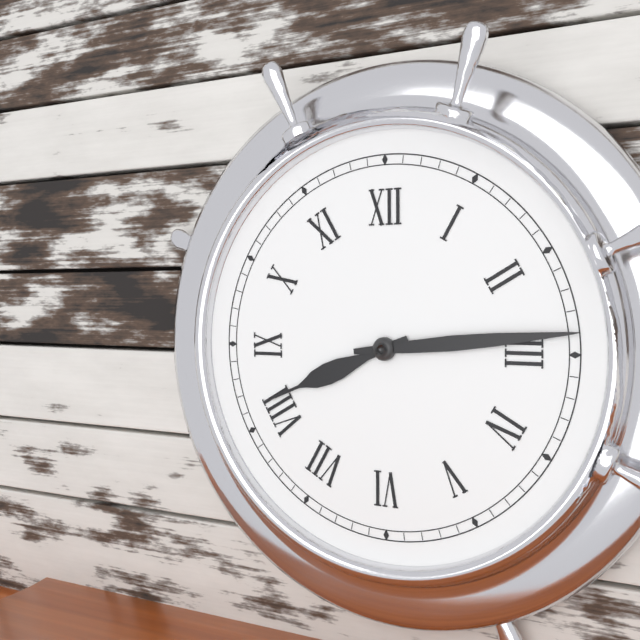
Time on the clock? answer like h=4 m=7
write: h=8 m=14
